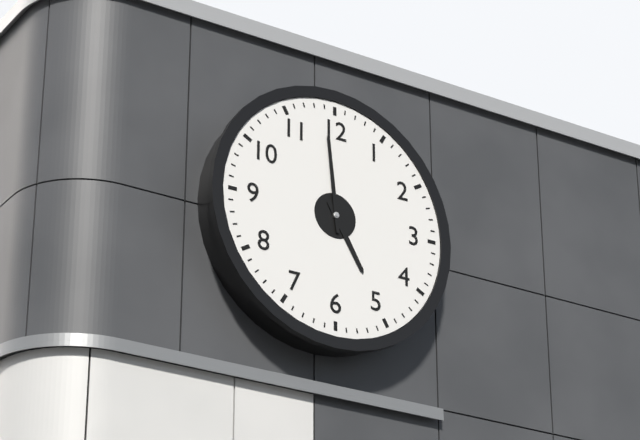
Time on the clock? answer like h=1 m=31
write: h=4 m=59
